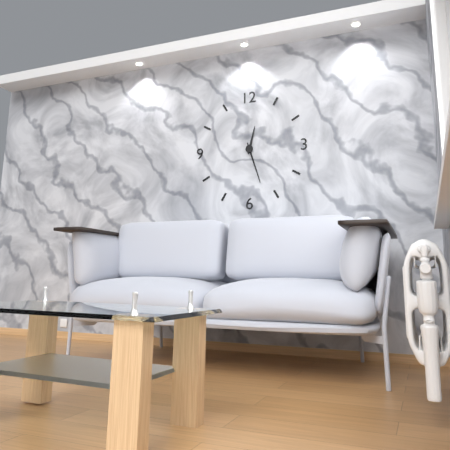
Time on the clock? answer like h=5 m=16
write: h=12 m=27
